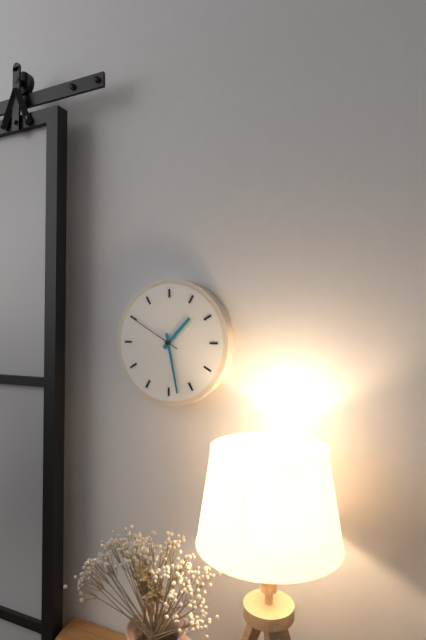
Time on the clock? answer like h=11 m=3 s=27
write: h=1 m=28 s=50
